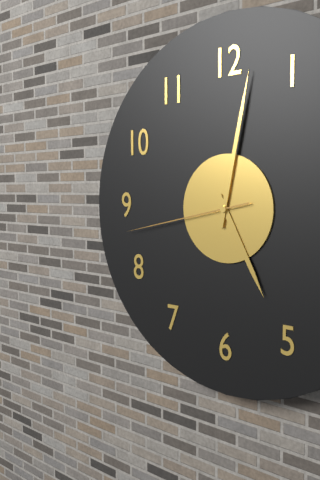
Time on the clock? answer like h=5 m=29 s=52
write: h=5 m=2 s=43
